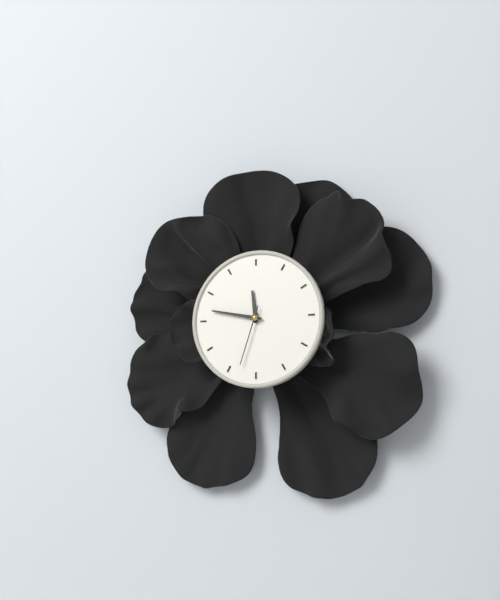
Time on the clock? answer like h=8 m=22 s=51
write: h=11 m=47 s=33
